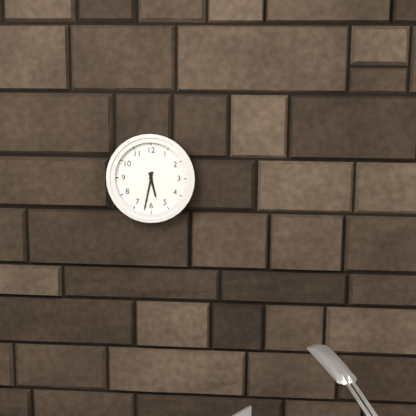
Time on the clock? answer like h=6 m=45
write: h=5 m=32
